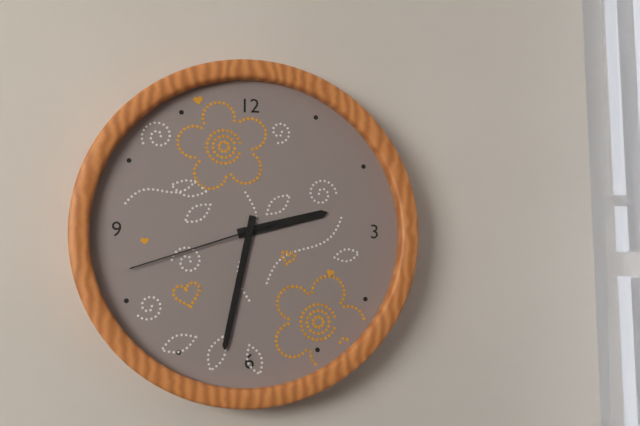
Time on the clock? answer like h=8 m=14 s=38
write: h=2 m=32 s=42
